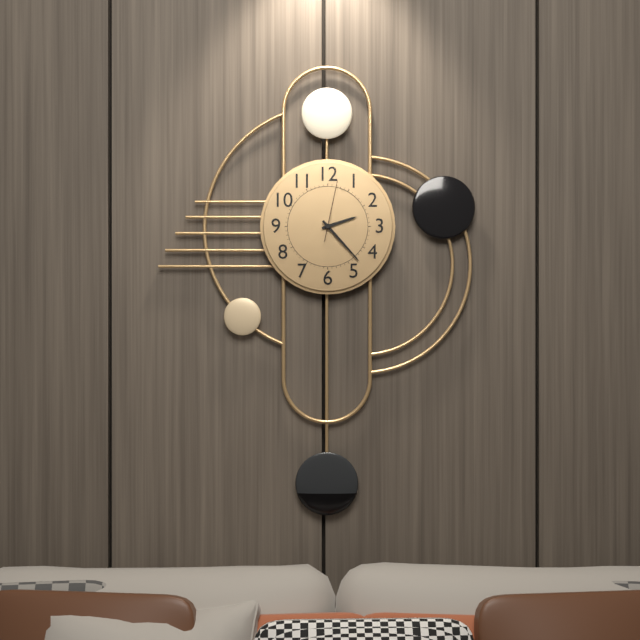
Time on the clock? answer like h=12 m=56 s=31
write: h=2 m=23 s=2
